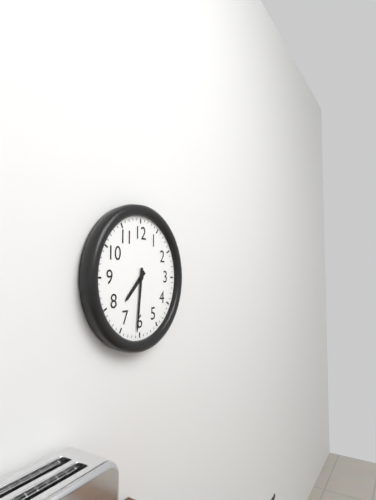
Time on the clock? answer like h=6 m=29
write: h=7 m=31
